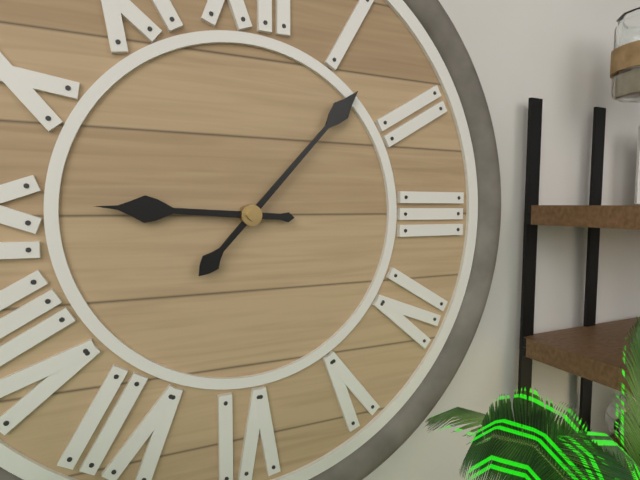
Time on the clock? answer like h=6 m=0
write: h=9 m=7
